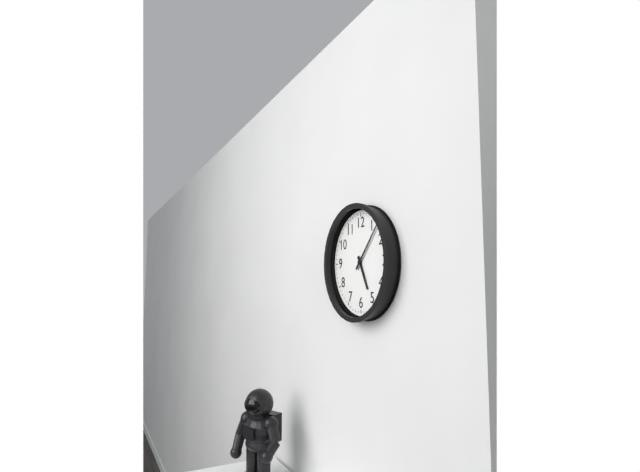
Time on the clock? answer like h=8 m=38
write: h=5 m=7
